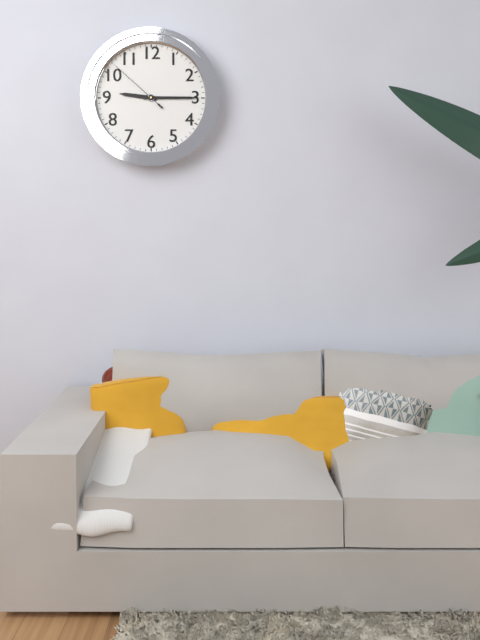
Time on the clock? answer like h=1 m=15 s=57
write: h=9 m=15 s=52
